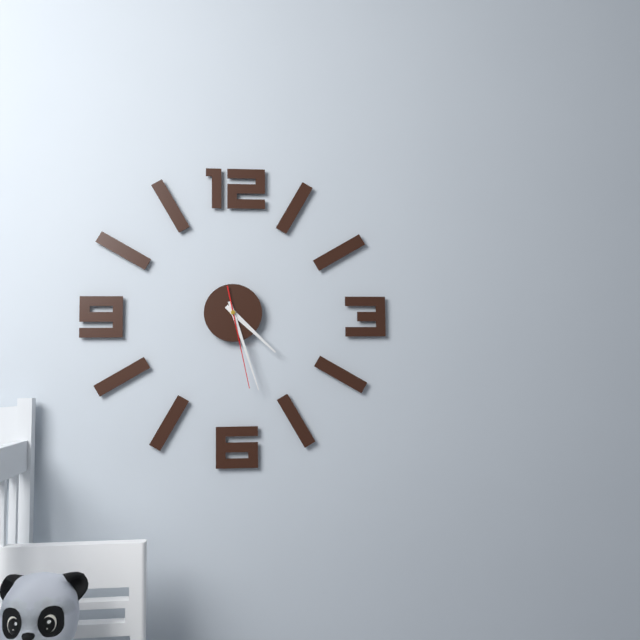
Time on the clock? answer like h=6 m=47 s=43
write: h=4 m=27 s=28
